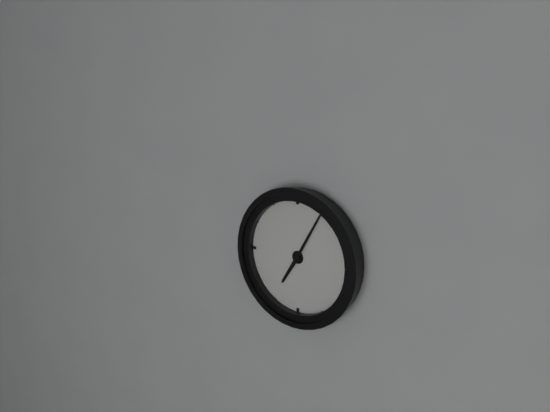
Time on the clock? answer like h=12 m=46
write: h=7 m=5
